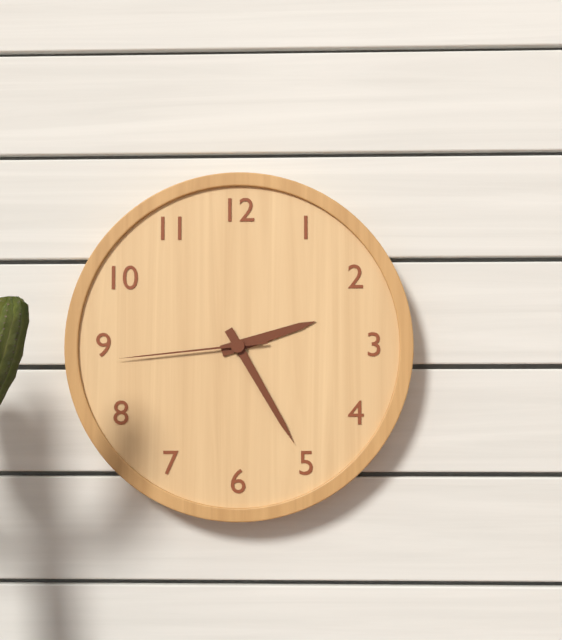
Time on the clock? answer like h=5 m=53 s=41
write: h=2 m=25 s=44
